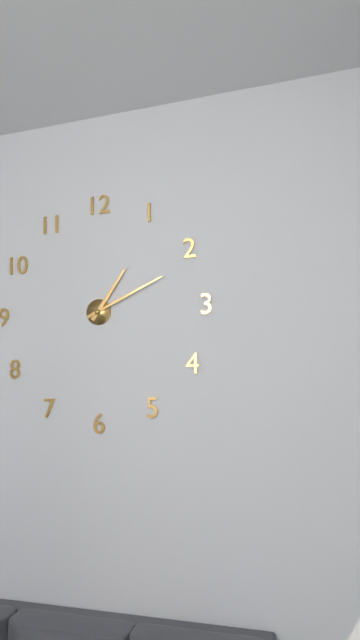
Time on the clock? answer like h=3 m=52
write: h=1 m=11
